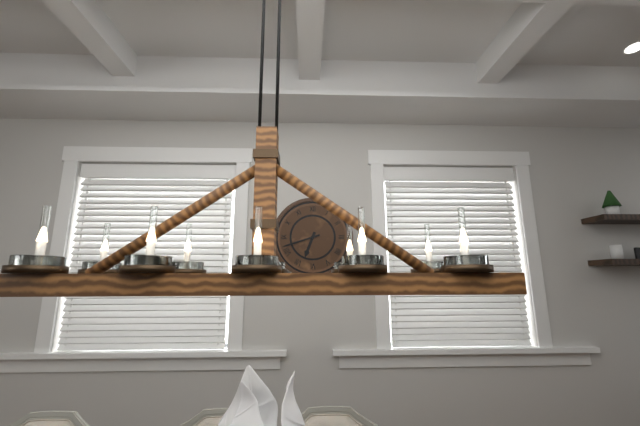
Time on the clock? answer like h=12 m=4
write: h=6 m=42
